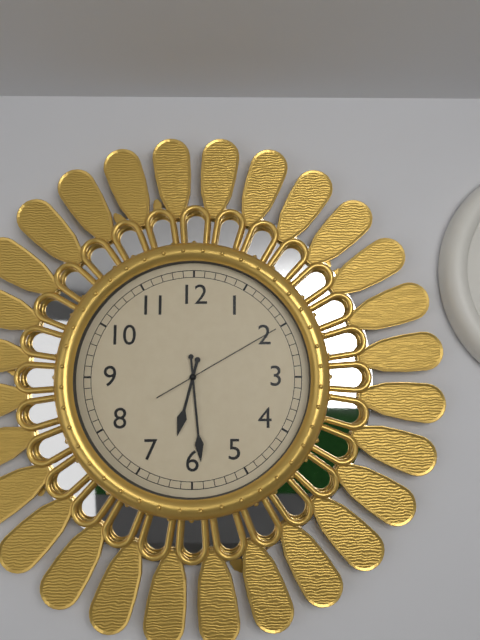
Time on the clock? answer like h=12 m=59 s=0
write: h=6 m=29 s=10
